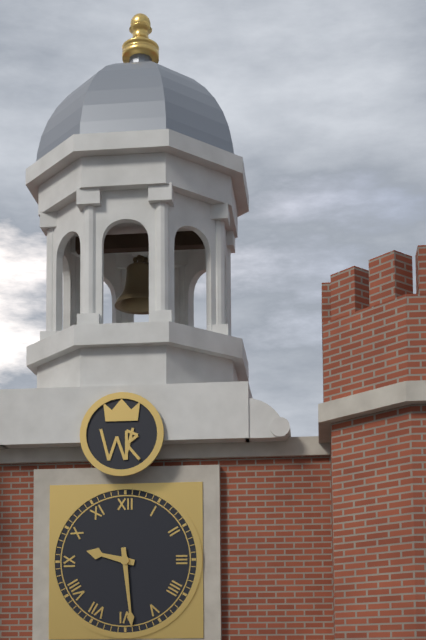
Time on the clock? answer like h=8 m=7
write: h=9 m=29
